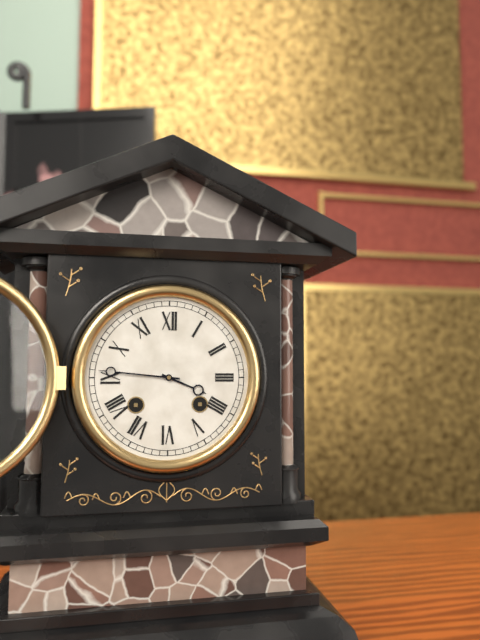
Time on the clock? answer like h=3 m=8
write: h=3 m=46
